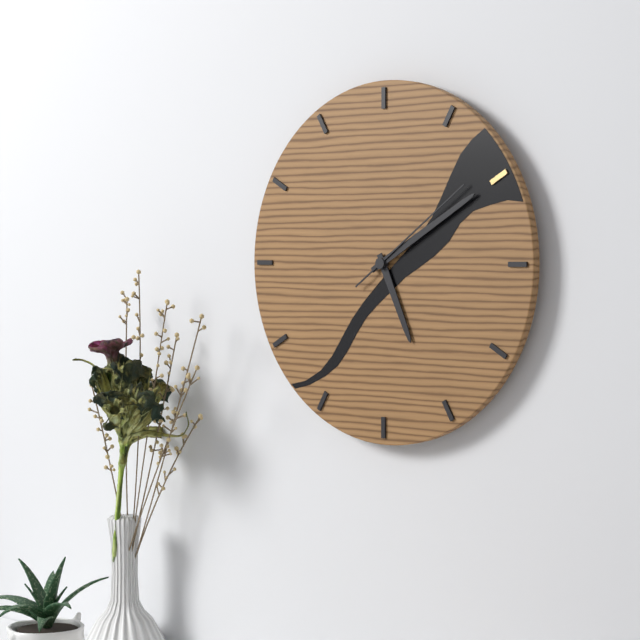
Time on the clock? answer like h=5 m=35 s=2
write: h=5 m=10 s=9
